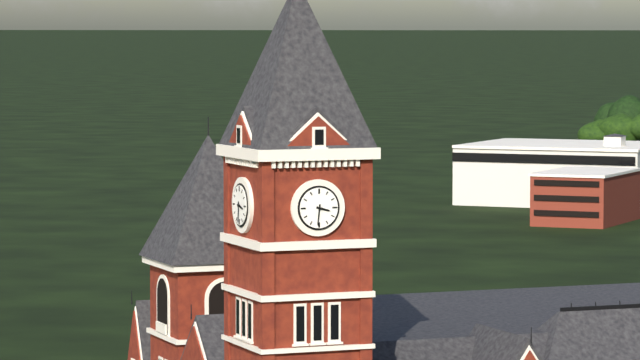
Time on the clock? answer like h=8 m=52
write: h=3 m=31
